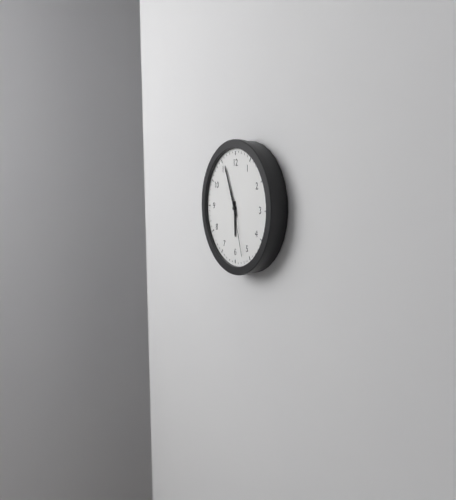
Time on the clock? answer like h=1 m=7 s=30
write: h=5 m=56 s=27
